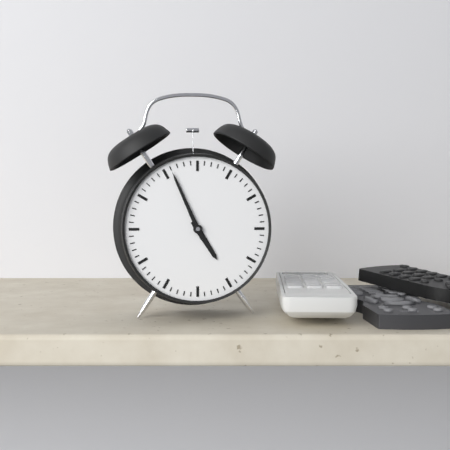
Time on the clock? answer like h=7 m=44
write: h=4 m=56
